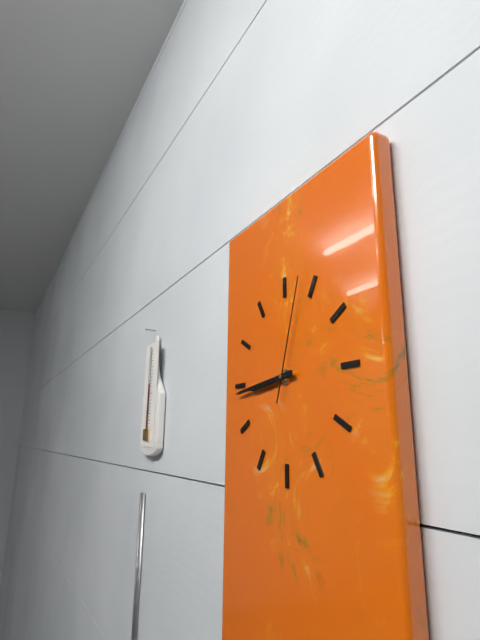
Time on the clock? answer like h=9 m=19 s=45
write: h=8 m=44 s=3
